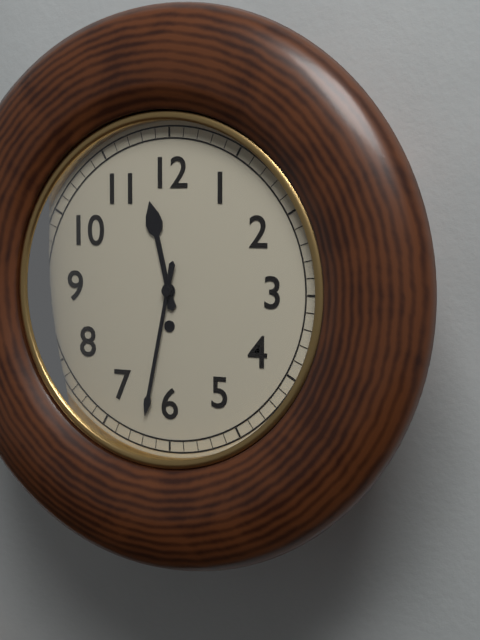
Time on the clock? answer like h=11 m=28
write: h=11 m=32
